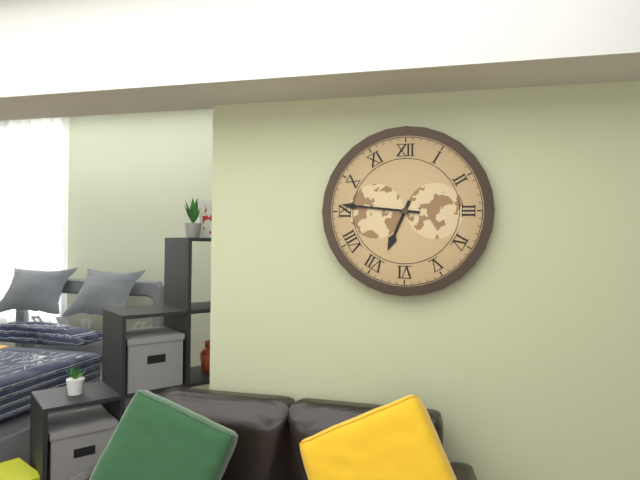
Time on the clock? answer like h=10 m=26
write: h=6 m=46
